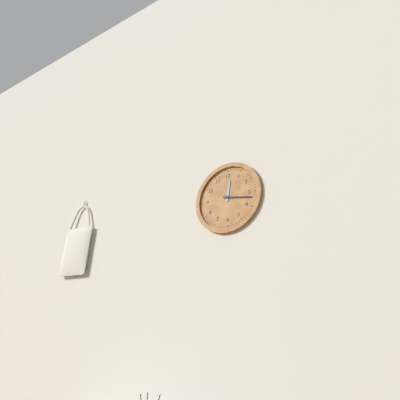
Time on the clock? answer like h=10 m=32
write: h=12 m=17
